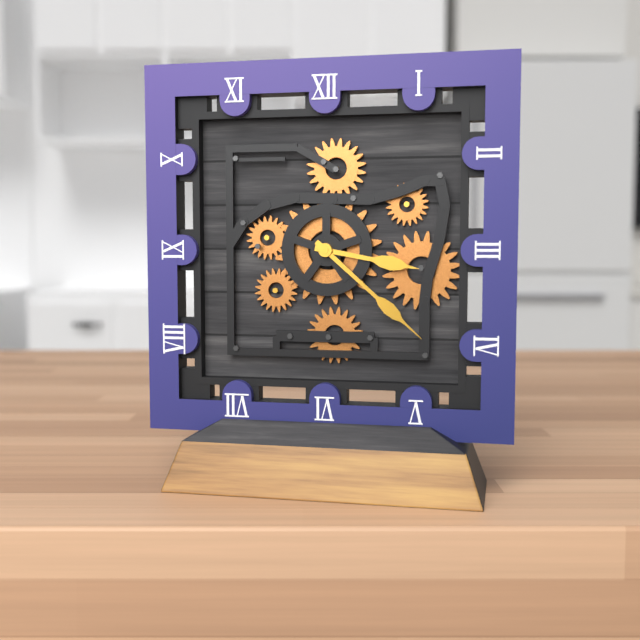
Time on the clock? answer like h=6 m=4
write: h=3 m=22
